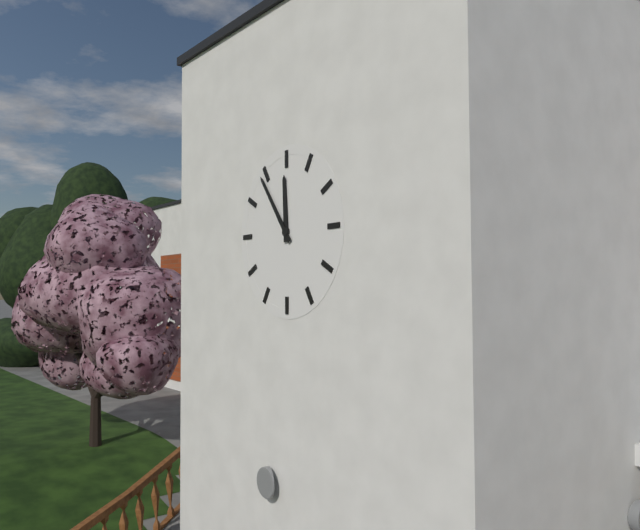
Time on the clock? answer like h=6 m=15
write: h=11 m=54
